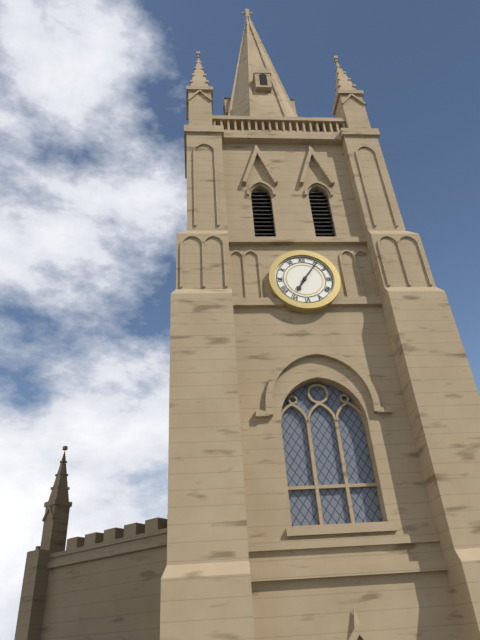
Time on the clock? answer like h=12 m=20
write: h=7 m=6
